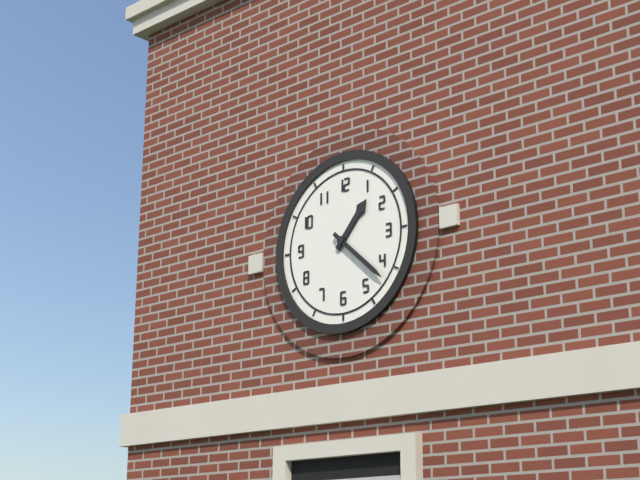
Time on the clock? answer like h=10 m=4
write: h=1 m=22
